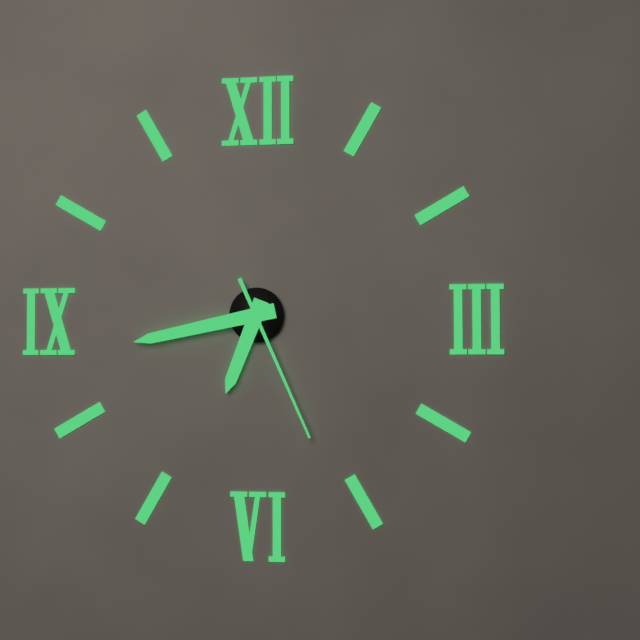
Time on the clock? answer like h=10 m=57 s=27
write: h=6 m=43 s=26
